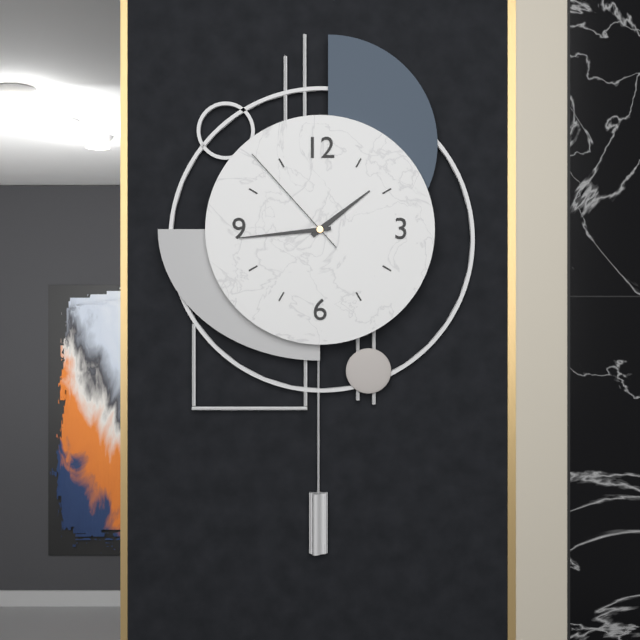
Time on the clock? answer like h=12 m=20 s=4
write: h=1 m=44 s=53
